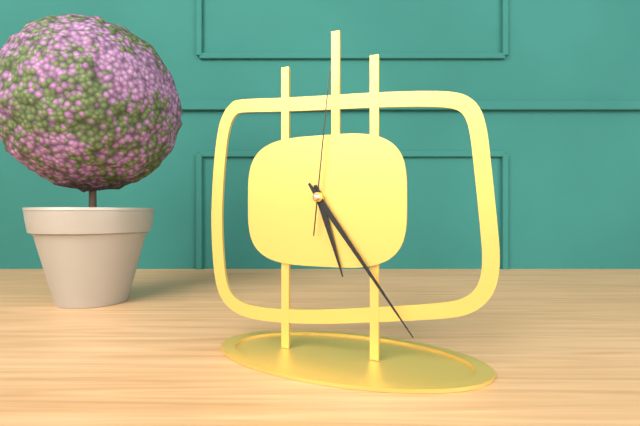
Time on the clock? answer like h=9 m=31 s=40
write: h=5 m=24 s=1
